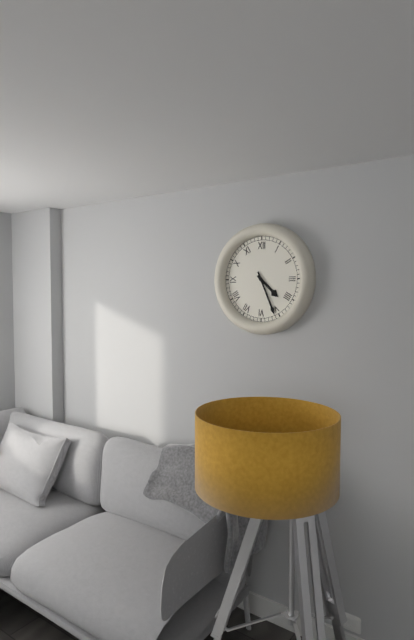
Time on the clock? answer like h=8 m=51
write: h=4 m=26
